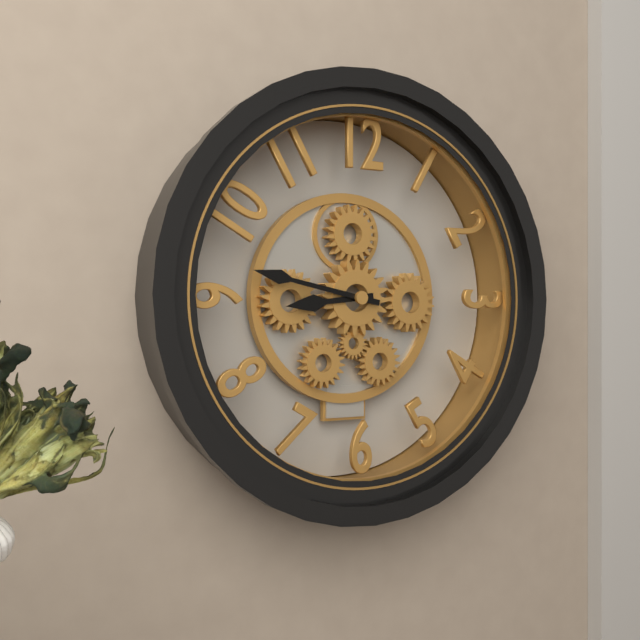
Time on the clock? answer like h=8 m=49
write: h=8 m=47
